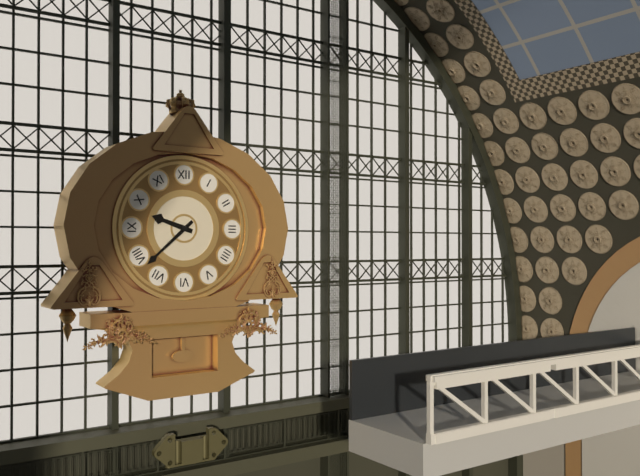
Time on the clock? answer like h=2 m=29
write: h=9 m=38
